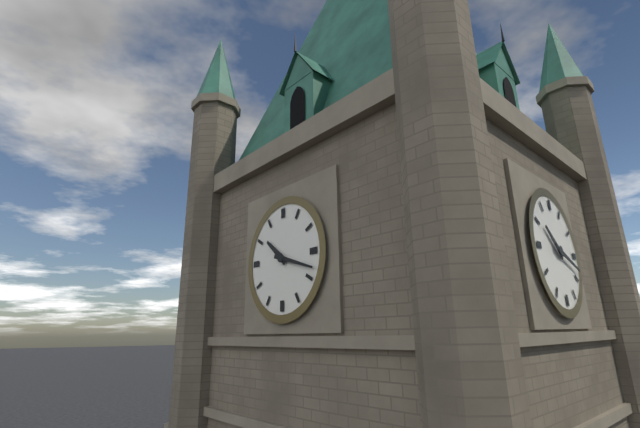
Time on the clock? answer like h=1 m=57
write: h=10 m=18
